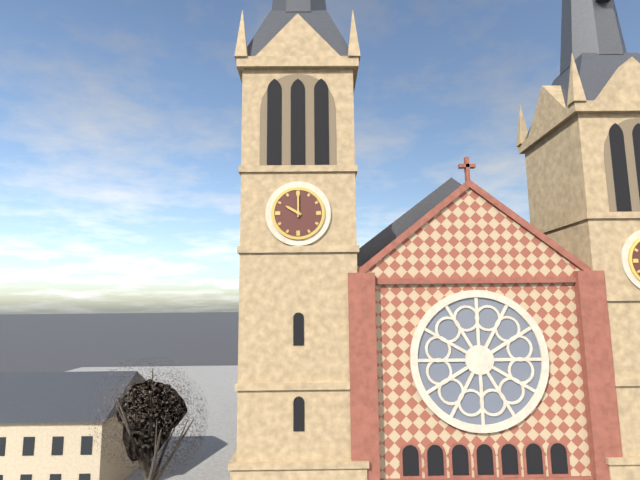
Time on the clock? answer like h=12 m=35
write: h=10 m=0
